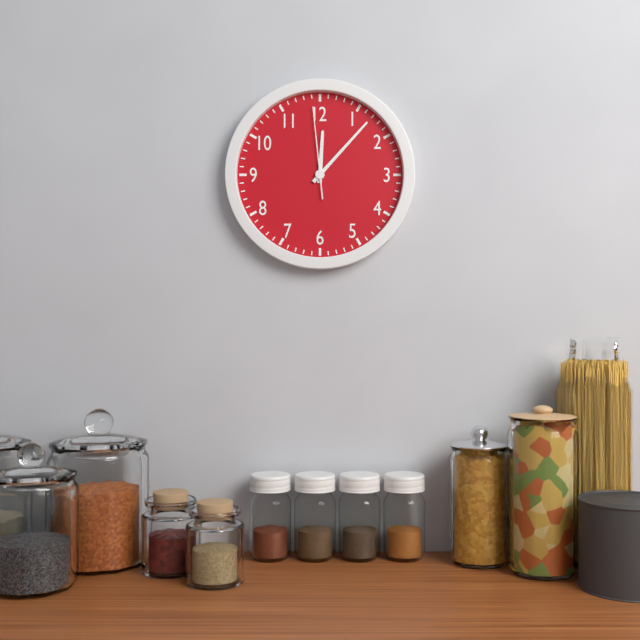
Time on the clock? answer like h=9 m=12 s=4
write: h=12 m=7 s=59
